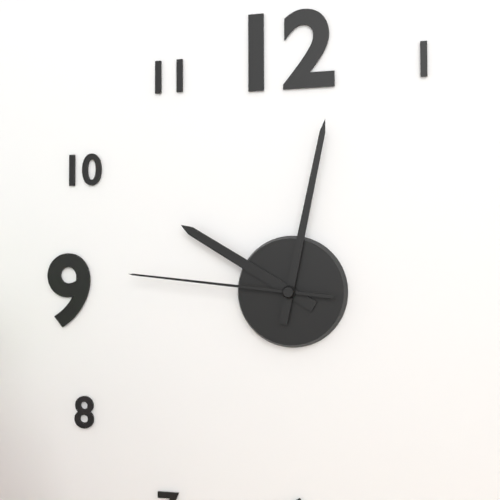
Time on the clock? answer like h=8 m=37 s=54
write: h=10 m=2 s=46
